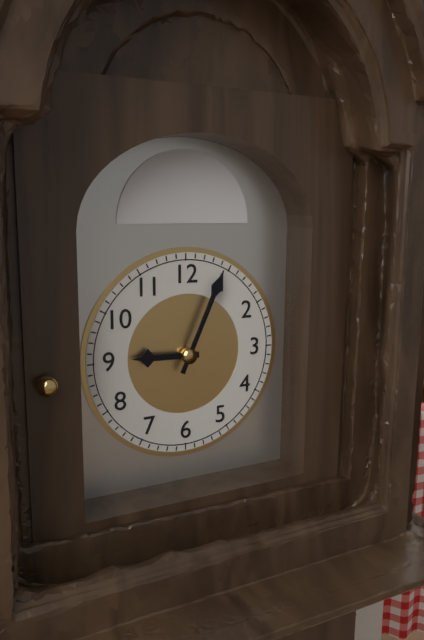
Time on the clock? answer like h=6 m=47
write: h=9 m=4
